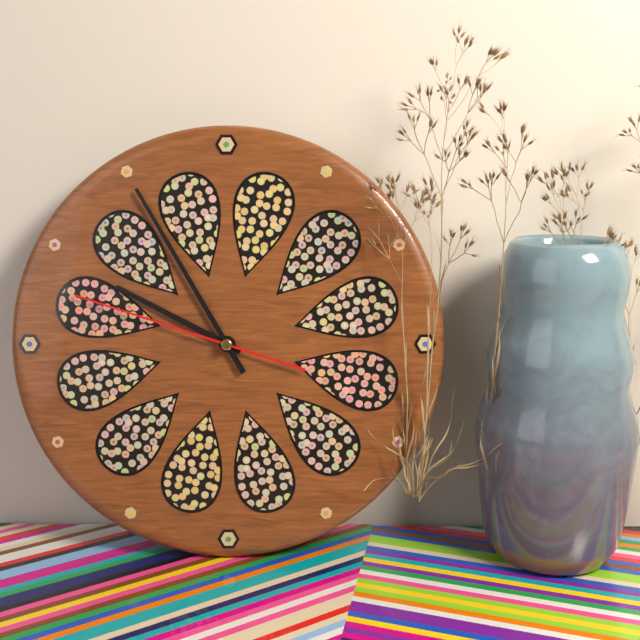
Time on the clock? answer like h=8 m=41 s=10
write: h=9 m=55 s=48
